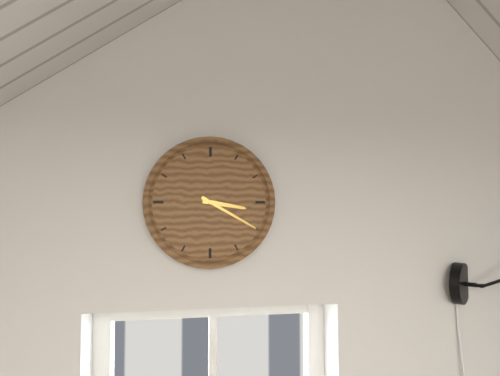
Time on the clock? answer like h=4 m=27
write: h=3 m=20
